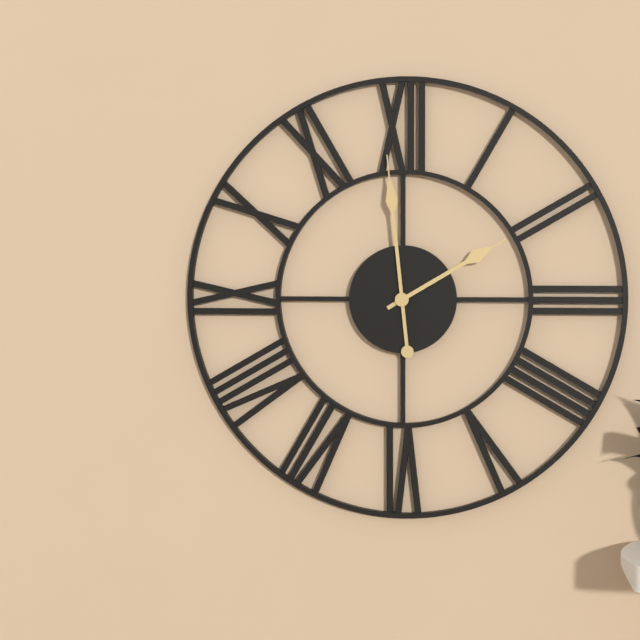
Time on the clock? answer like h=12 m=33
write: h=1 m=59
